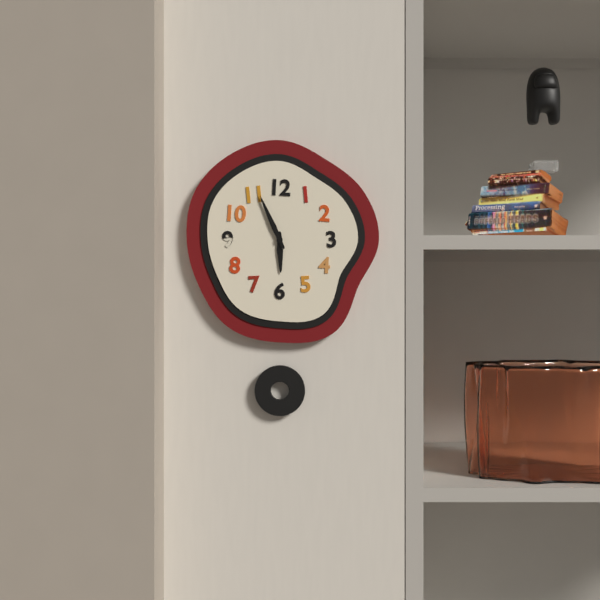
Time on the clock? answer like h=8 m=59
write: h=5 m=56
